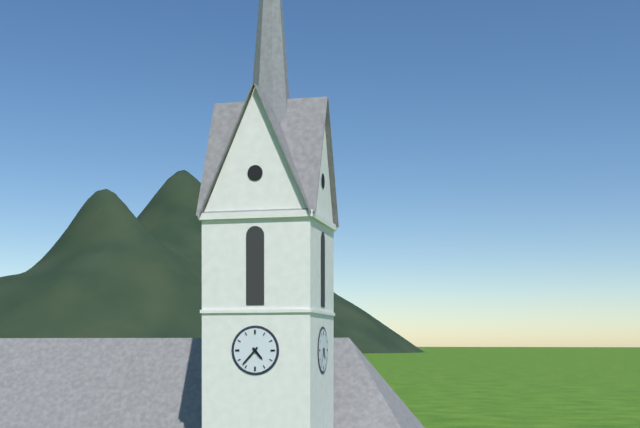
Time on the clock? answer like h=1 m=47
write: h=4 m=37
